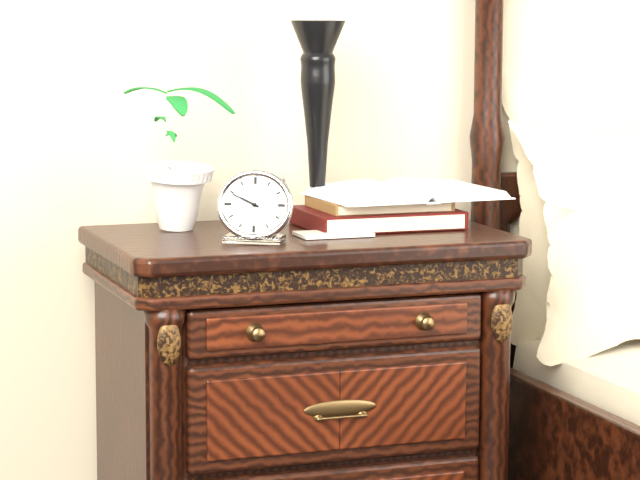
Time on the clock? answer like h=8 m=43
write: h=9 m=49
